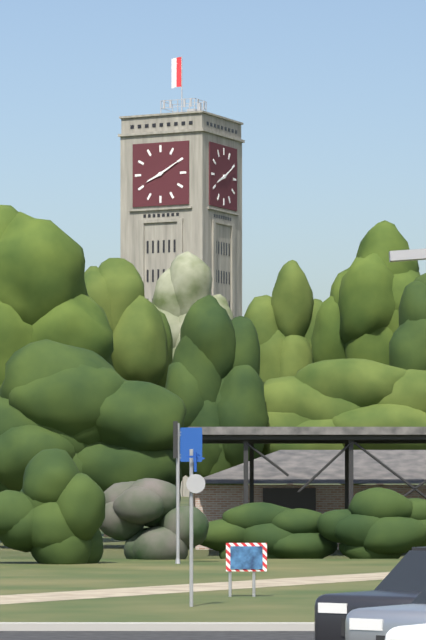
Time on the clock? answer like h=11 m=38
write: h=8 m=10
